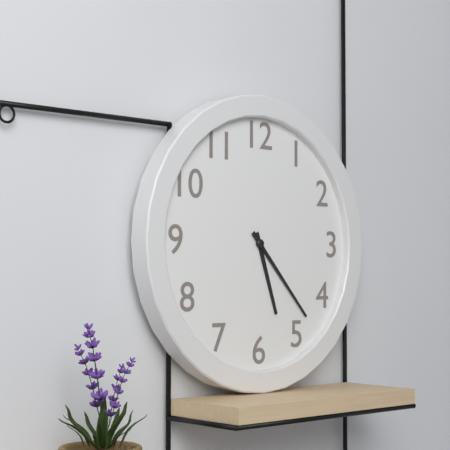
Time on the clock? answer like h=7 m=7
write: h=5 m=23
